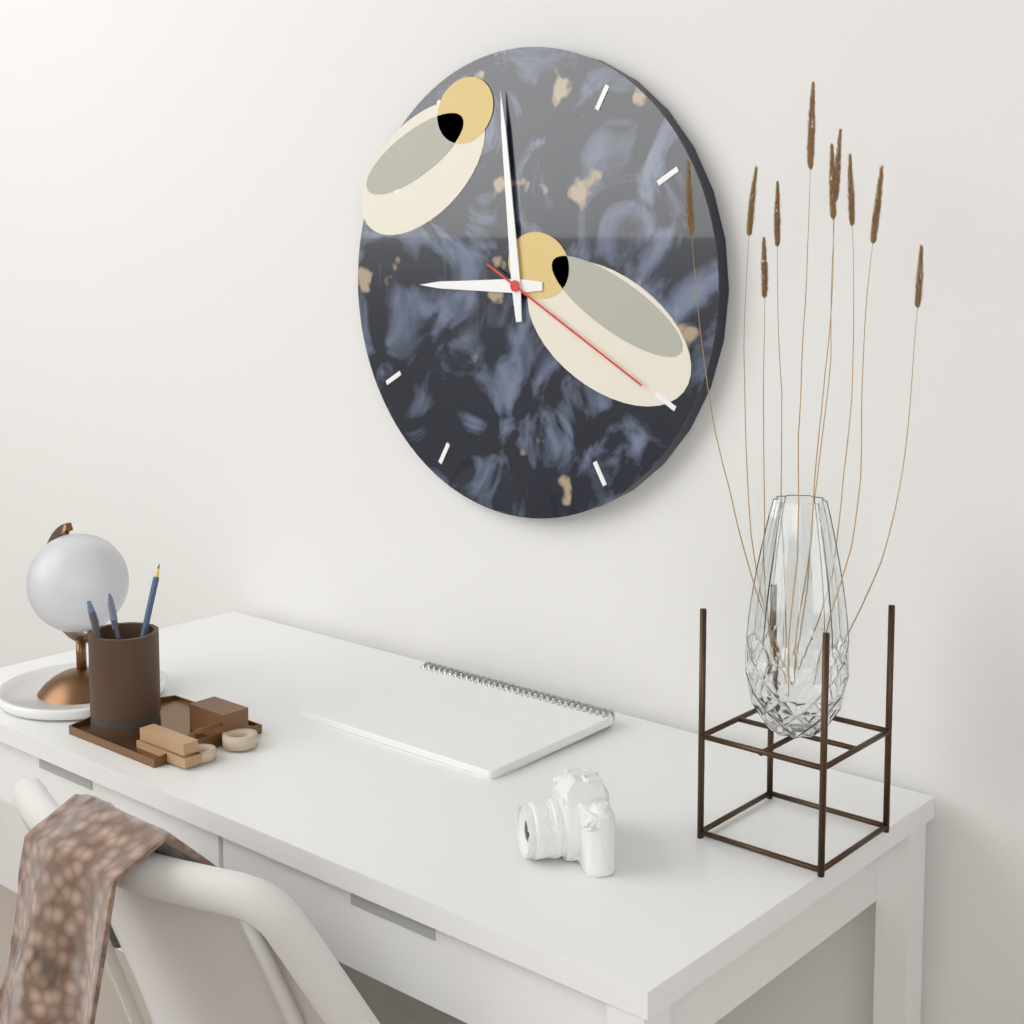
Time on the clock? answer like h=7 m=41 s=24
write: h=8 m=59 s=20
